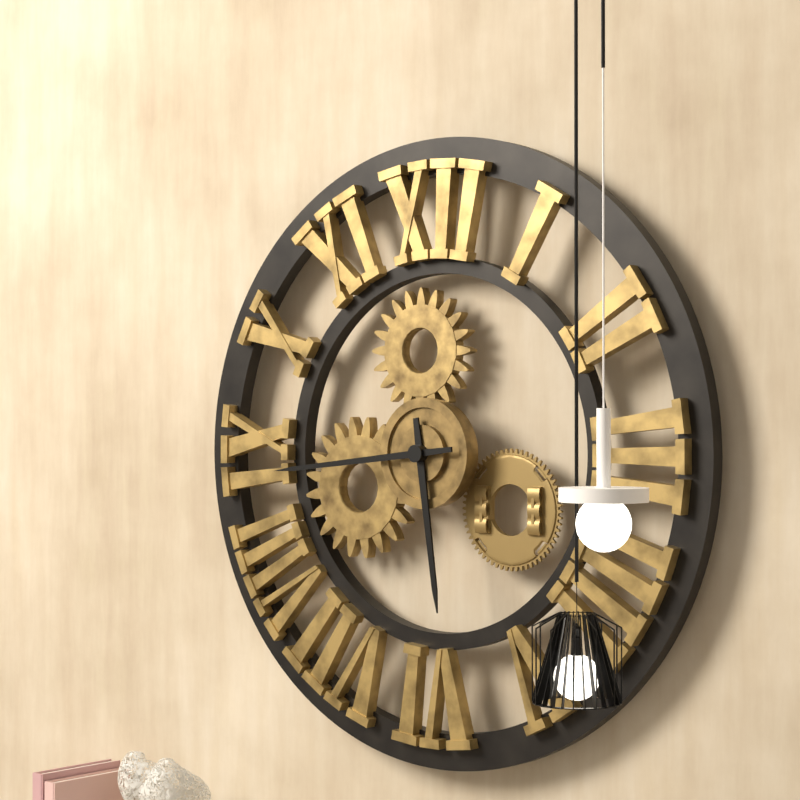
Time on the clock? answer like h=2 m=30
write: h=5 m=44
